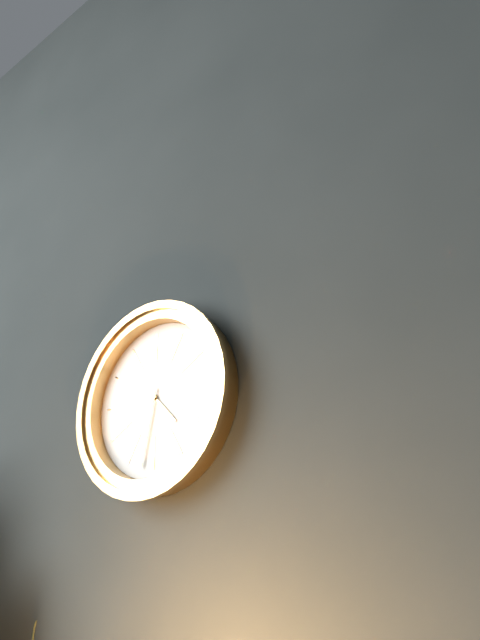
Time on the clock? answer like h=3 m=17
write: h=4 m=32
